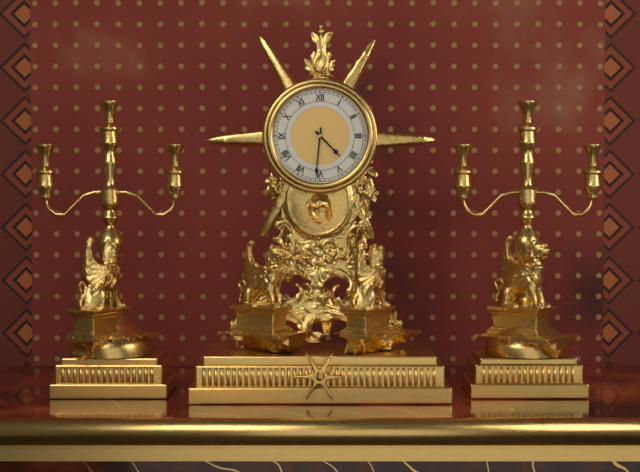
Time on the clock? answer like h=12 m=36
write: h=4 m=31
